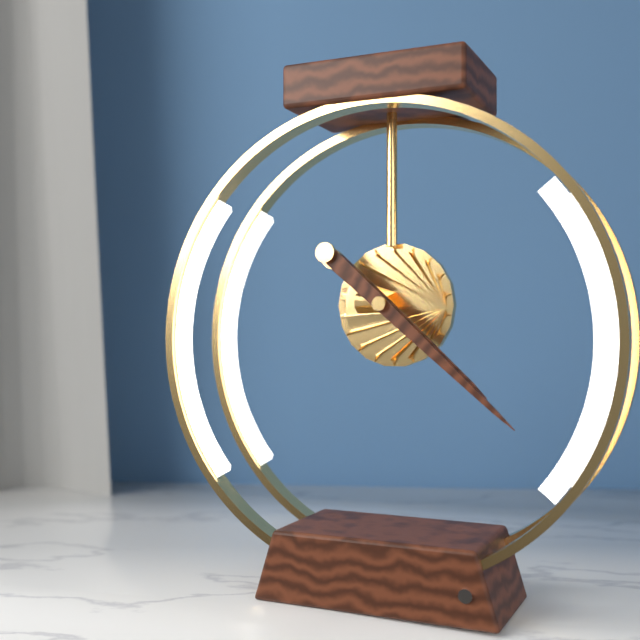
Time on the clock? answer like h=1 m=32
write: h=4 m=22
